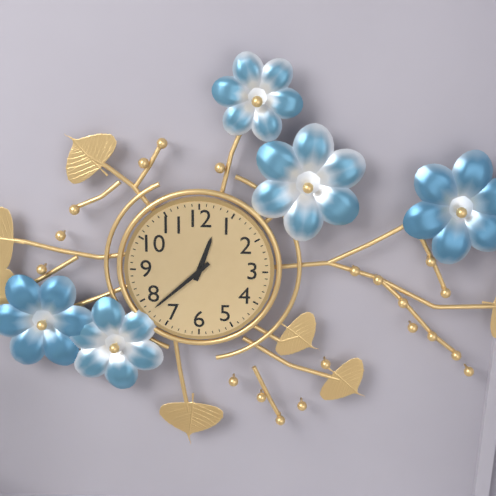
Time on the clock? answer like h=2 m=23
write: h=12 m=38
